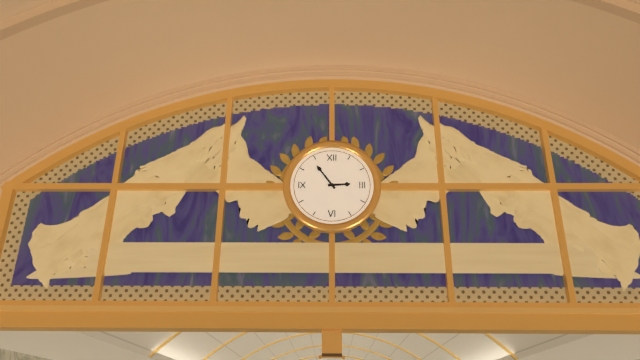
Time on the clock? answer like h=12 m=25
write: h=2 m=54
